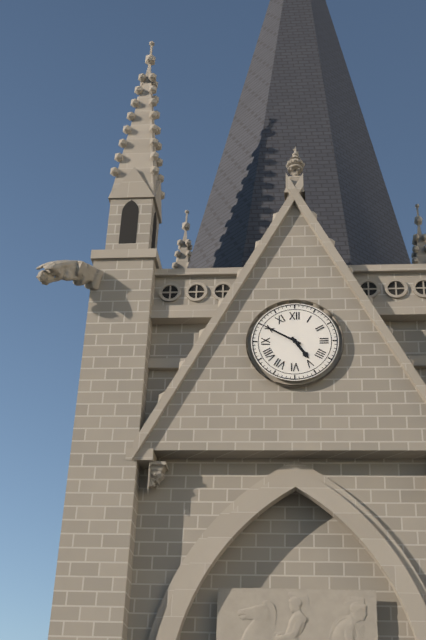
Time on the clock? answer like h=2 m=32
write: h=4 m=50
